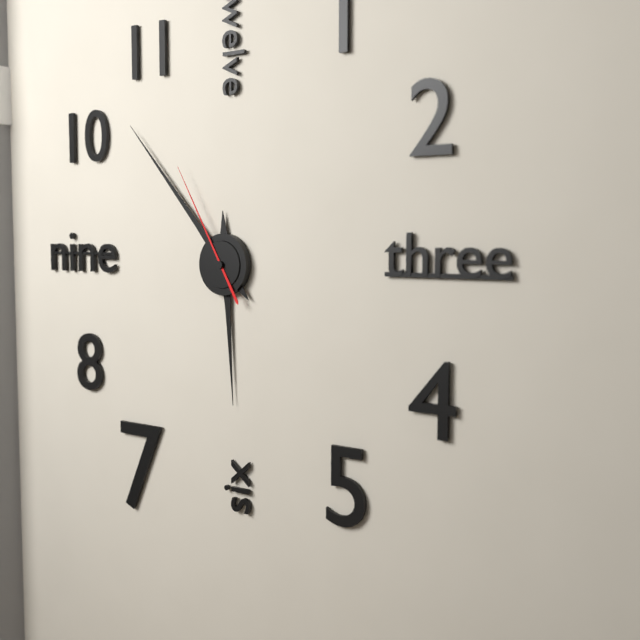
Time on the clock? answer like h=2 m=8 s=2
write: h=5 m=53 s=55
